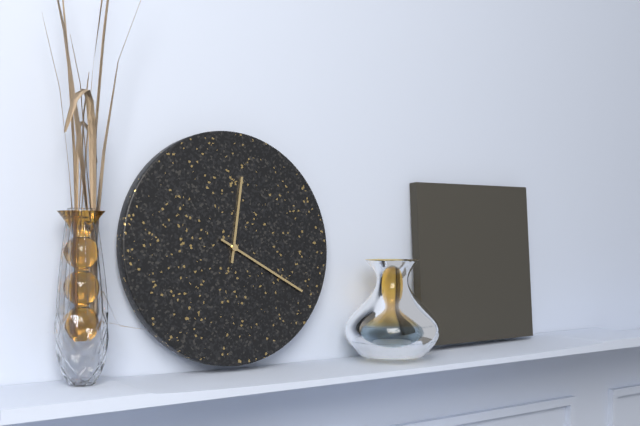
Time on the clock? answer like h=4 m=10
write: h=12 m=20
